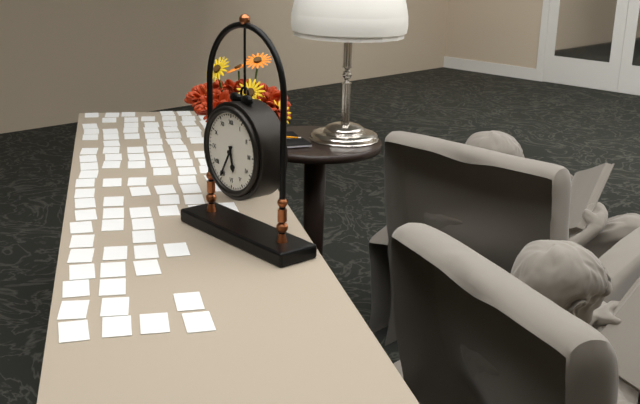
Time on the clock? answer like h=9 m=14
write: h=5 m=35
